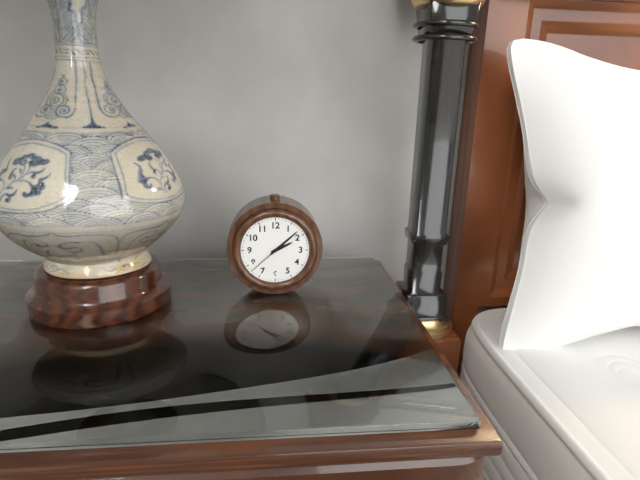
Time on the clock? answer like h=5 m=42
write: h=2 m=8
